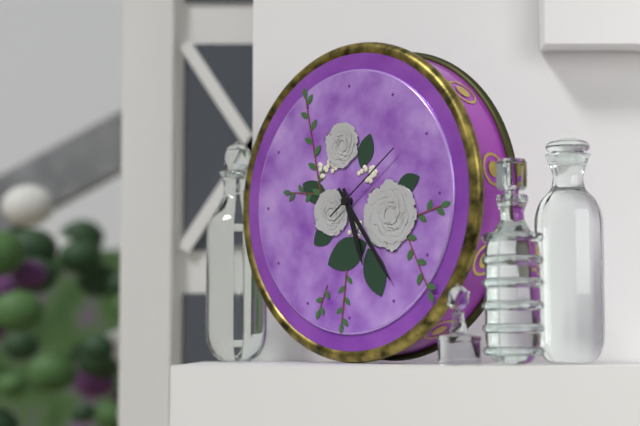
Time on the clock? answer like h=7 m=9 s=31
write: h=5 m=24 s=9
